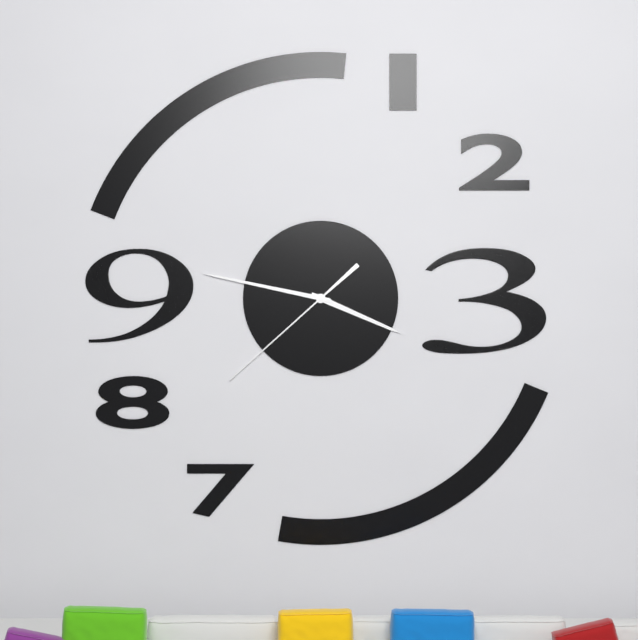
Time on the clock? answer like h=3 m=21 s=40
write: h=3 m=47 s=38
